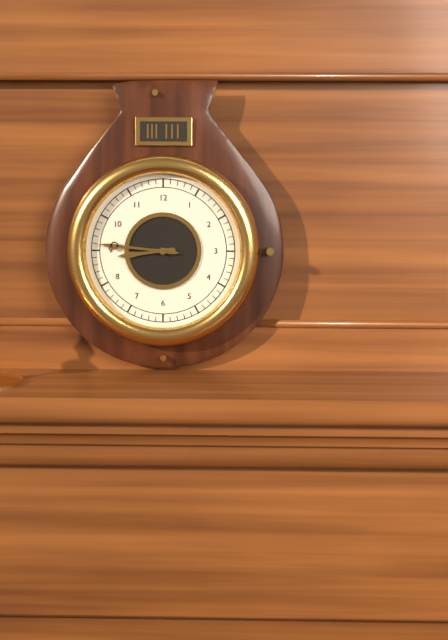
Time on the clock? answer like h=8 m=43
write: h=8 m=46
